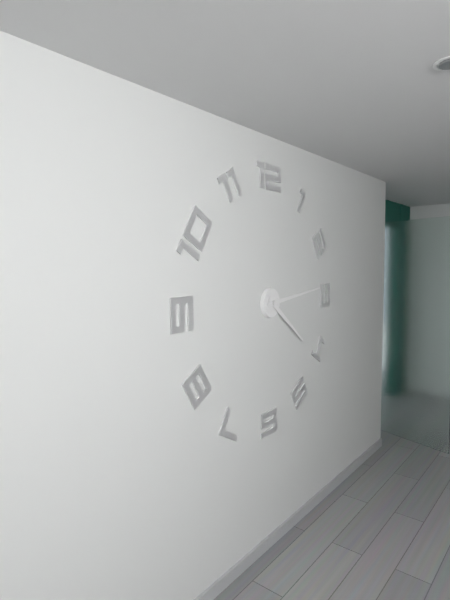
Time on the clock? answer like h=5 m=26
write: h=4 m=14
